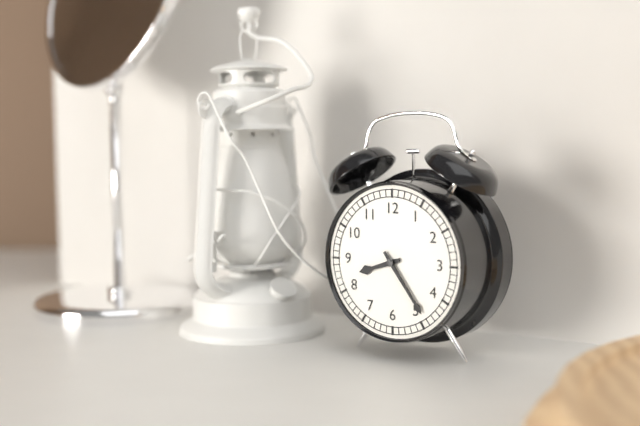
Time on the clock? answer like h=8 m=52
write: h=8 m=24
